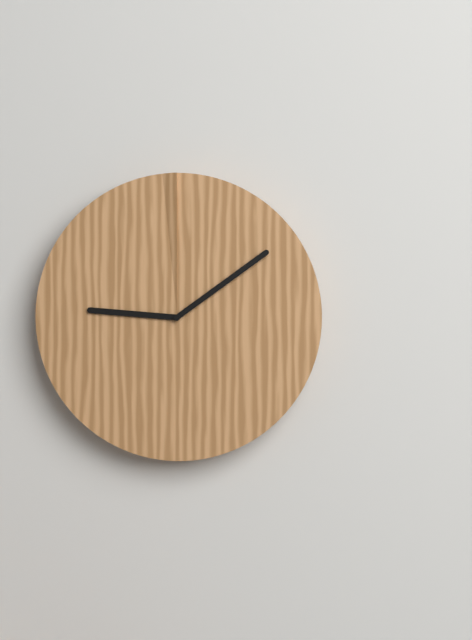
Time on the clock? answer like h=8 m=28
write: h=9 m=9
